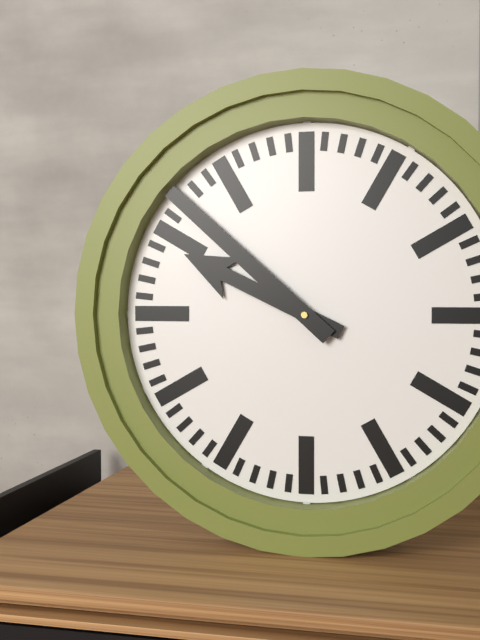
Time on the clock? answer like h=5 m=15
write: h=9 m=52
